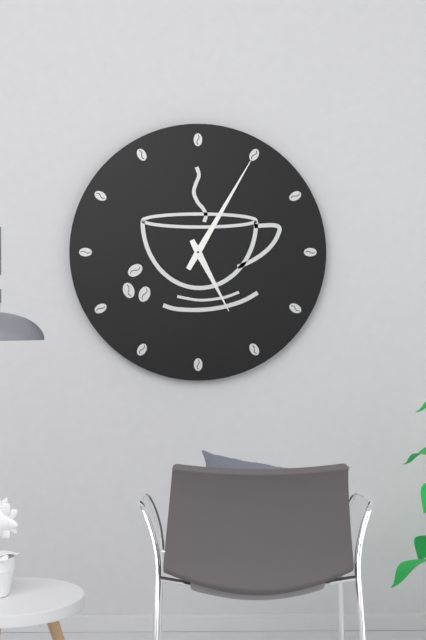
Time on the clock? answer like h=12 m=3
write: h=5 m=5
